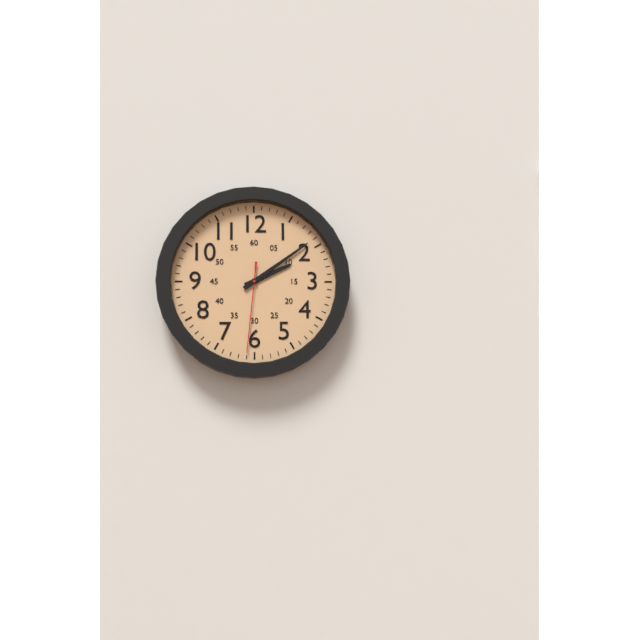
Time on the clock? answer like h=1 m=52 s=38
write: h=2 m=9 s=31
